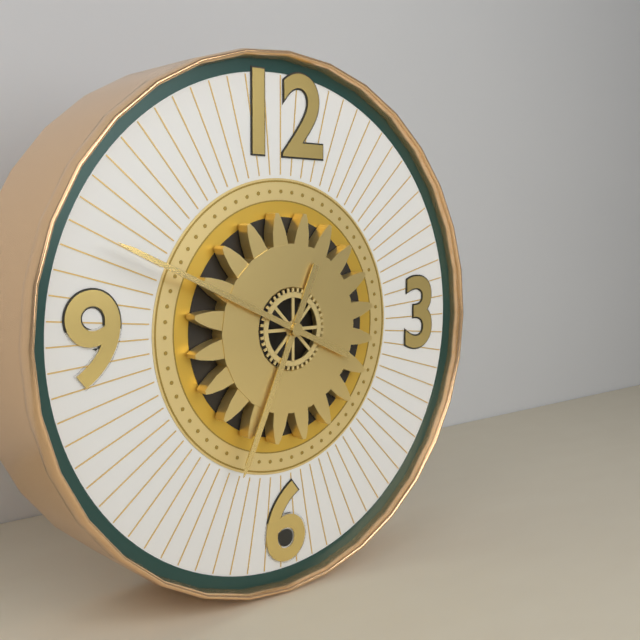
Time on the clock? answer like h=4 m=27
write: h=6 m=49
